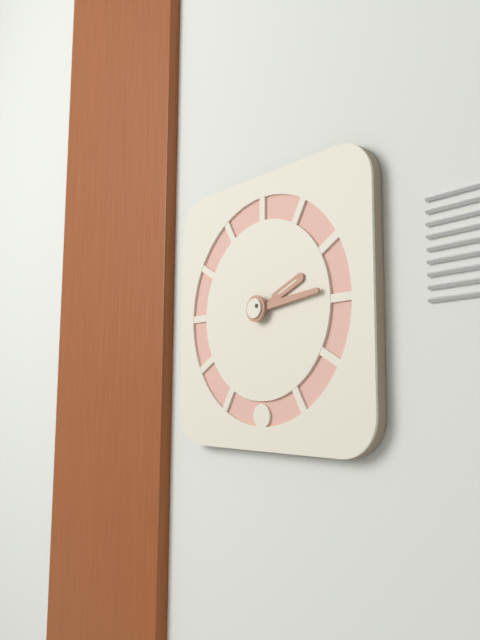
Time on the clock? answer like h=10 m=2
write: h=2 m=14
